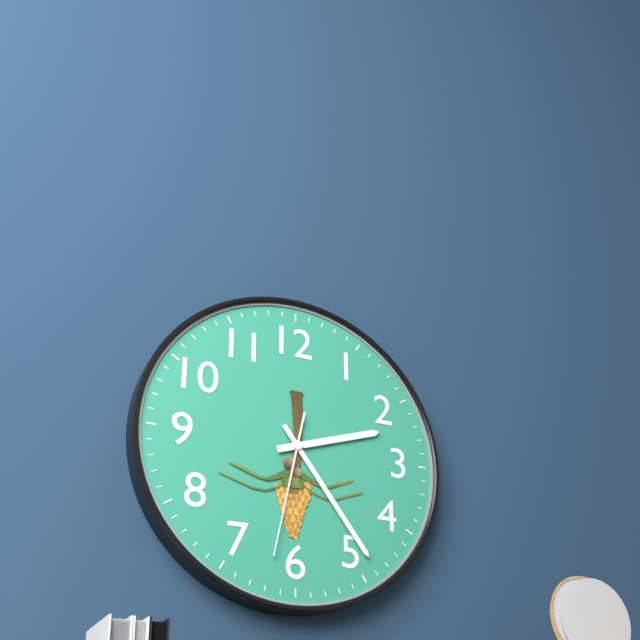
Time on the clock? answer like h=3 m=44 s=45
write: h=2 m=24 s=32
